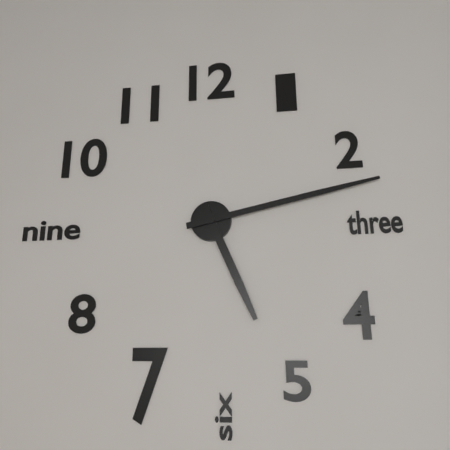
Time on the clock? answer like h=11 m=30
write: h=5 m=13
